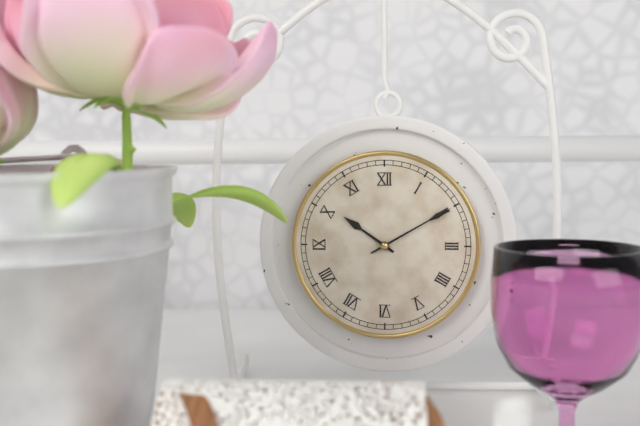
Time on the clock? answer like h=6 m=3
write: h=10 m=10
